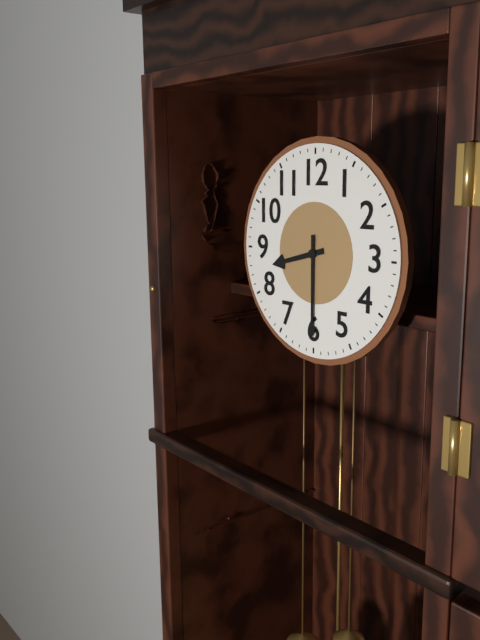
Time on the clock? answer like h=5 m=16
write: h=8 m=30
